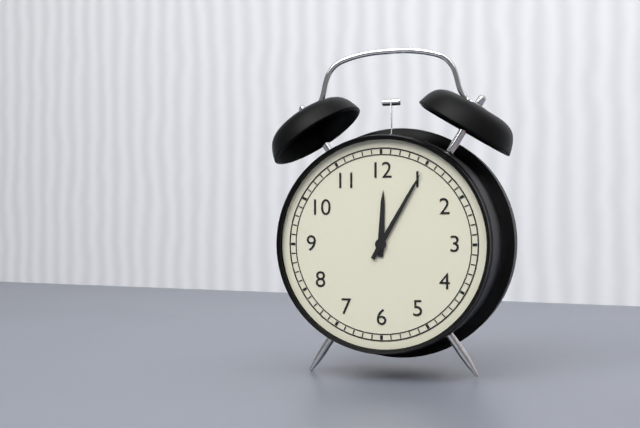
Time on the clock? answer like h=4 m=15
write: h=12 m=5
